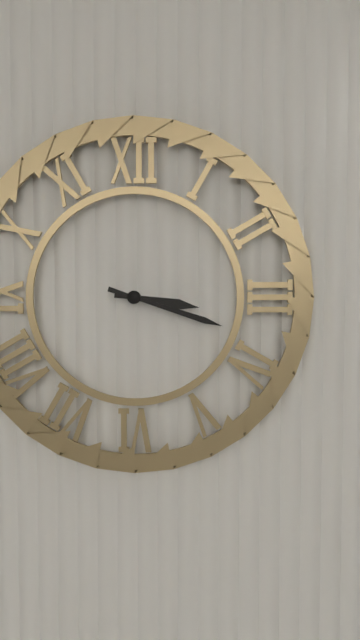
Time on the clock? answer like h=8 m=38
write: h=3 m=18
